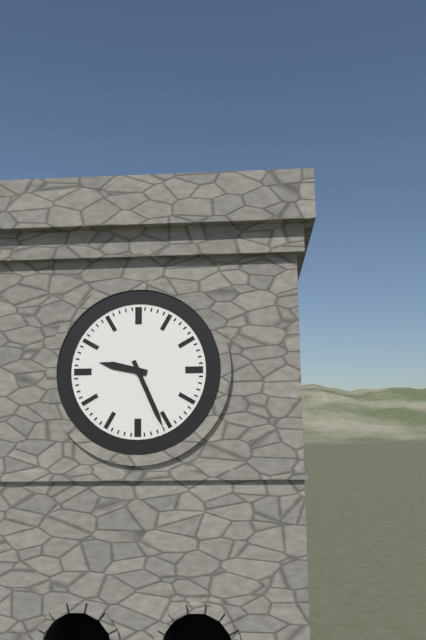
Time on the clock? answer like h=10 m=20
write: h=9 m=26
